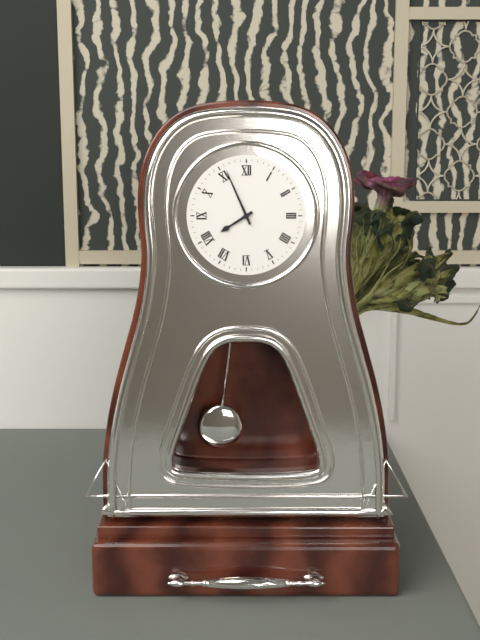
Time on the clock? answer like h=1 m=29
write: h=7 m=56
